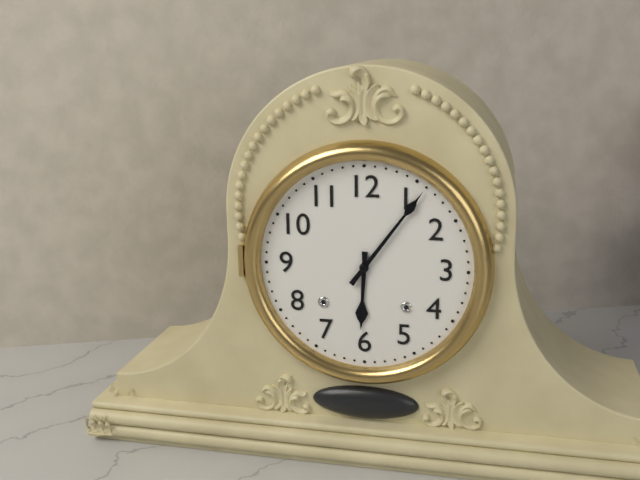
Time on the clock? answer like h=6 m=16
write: h=6 m=6
